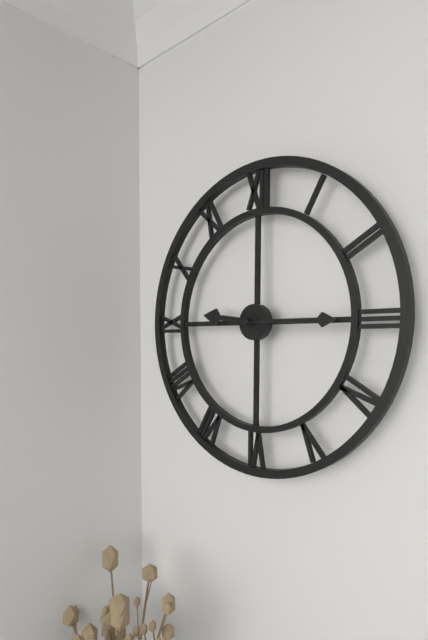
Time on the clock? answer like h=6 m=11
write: h=9 m=15
